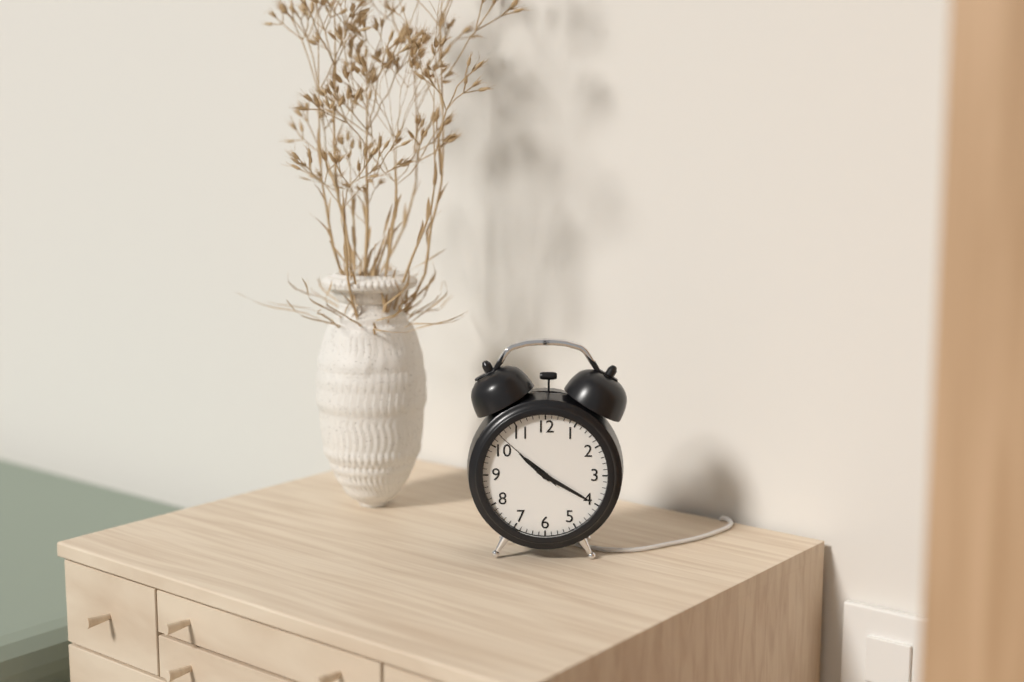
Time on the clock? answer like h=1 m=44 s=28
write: h=10 m=20 s=52
